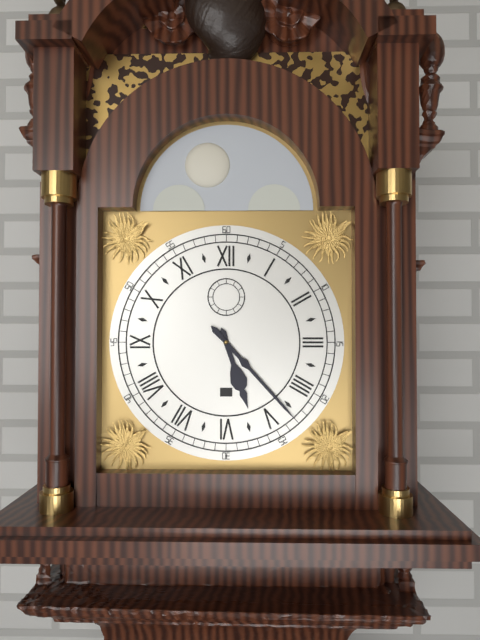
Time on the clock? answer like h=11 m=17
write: h=5 m=23
